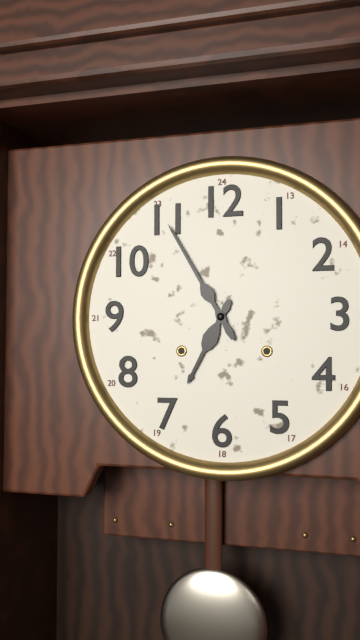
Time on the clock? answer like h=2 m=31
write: h=6 m=55
